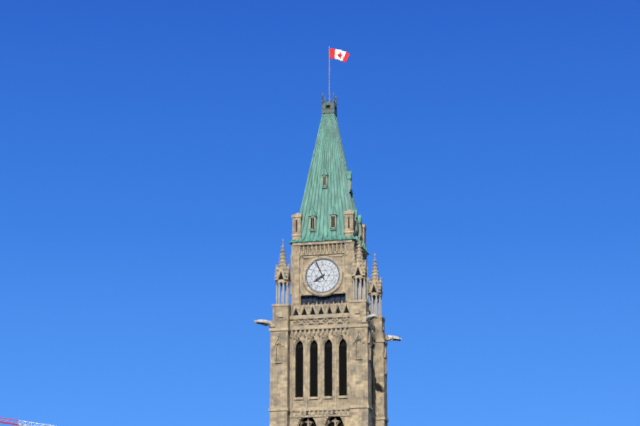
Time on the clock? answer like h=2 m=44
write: h=7 m=56
